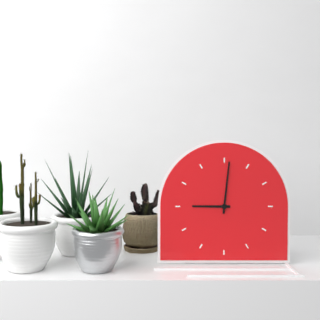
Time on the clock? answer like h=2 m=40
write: h=9 m=1
